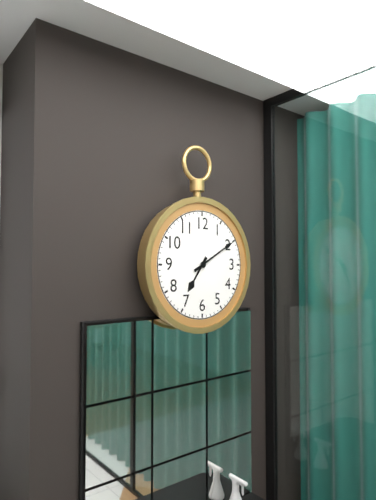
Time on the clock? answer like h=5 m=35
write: h=7 m=10
